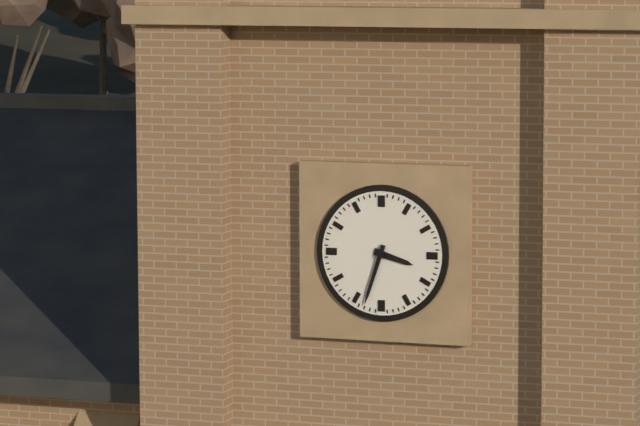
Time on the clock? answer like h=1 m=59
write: h=3 m=33
